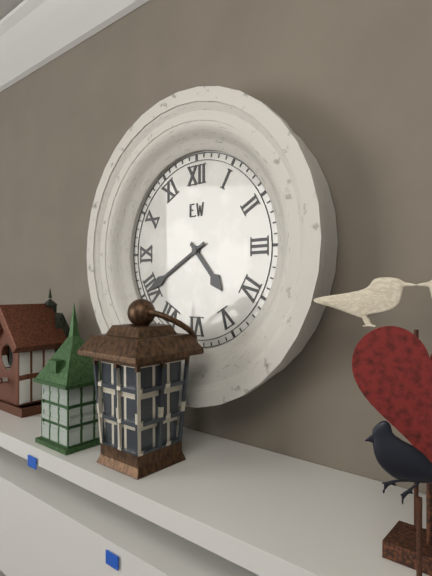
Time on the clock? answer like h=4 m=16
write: h=4 m=40
